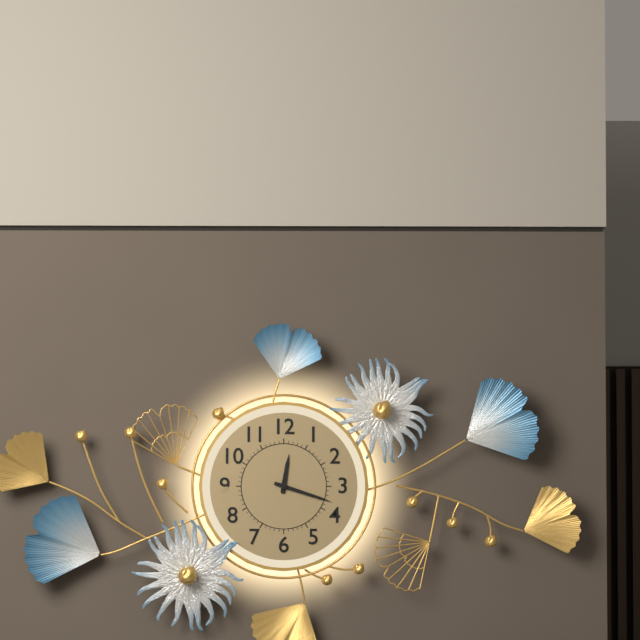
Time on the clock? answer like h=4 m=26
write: h=12 m=18
